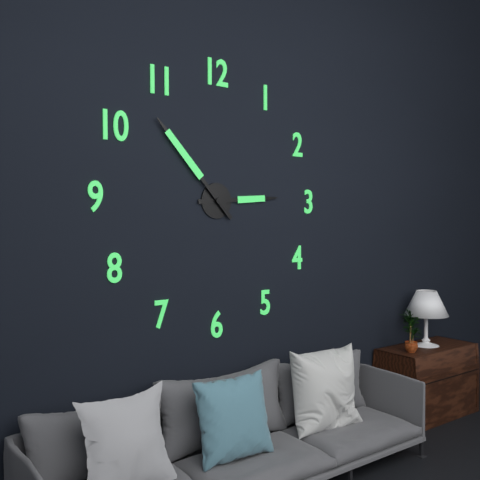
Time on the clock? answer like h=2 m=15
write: h=2 m=53
